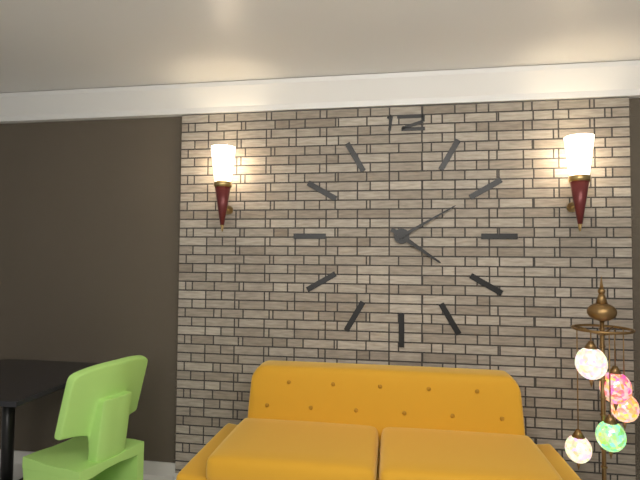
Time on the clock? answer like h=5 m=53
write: h=4 m=10
